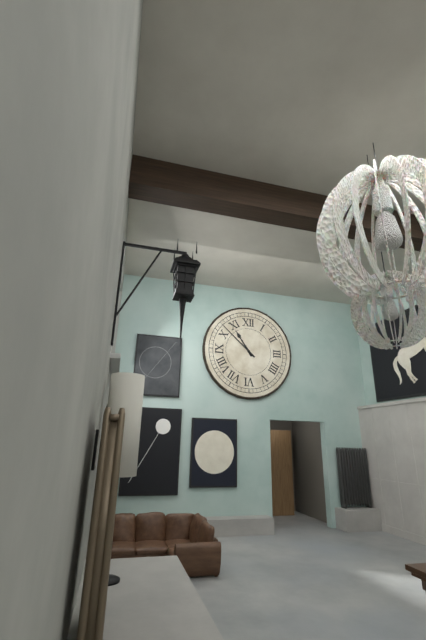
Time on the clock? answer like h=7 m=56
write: h=10 m=52
